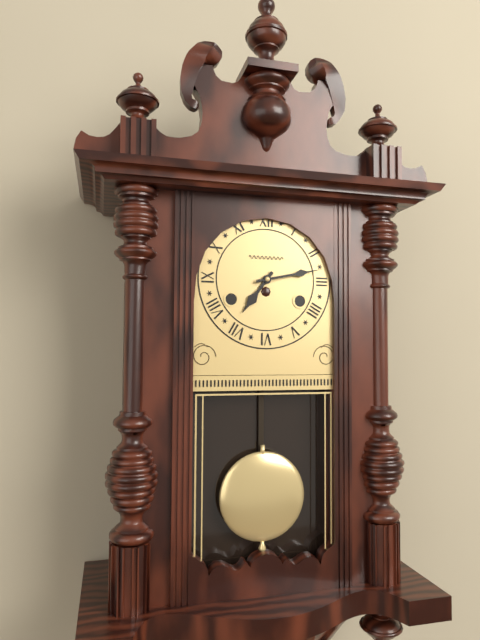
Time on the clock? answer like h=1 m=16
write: h=7 m=13
